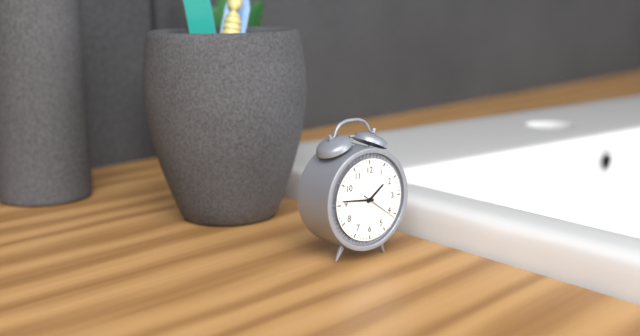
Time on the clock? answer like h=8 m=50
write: h=1 m=46
